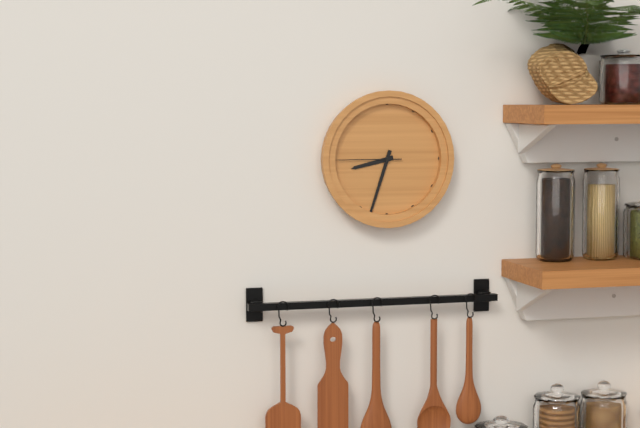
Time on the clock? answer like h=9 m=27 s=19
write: h=8 m=33 s=45
